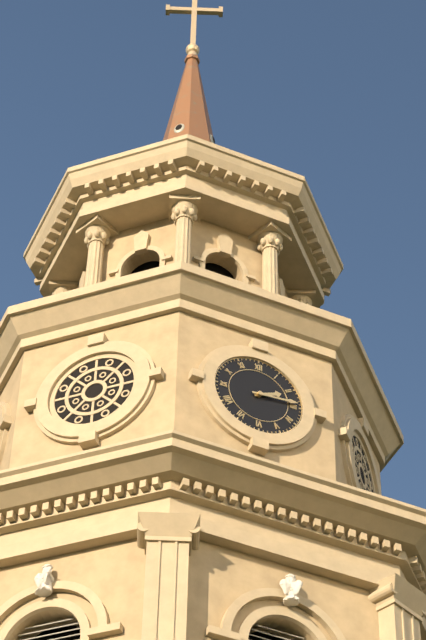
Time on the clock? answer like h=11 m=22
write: h=2 m=14
